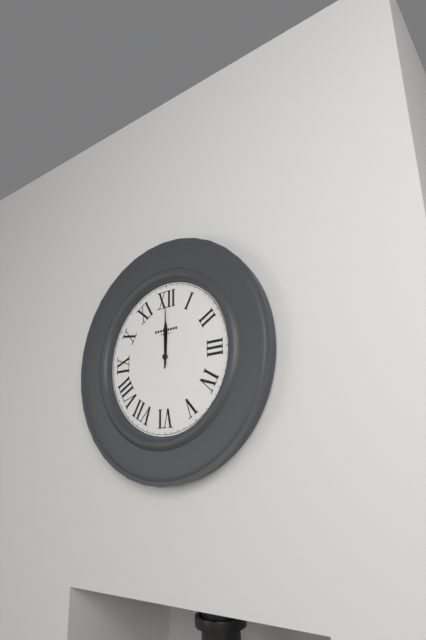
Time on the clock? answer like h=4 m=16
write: h=12 m=0
